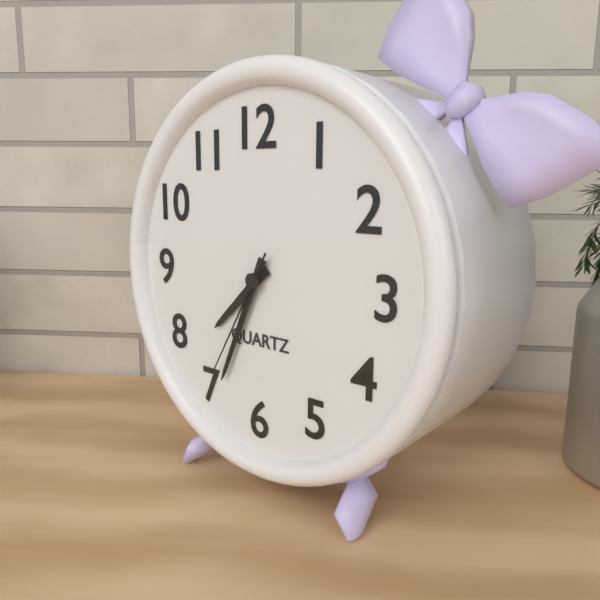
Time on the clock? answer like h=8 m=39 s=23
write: h=7 m=34 s=35
